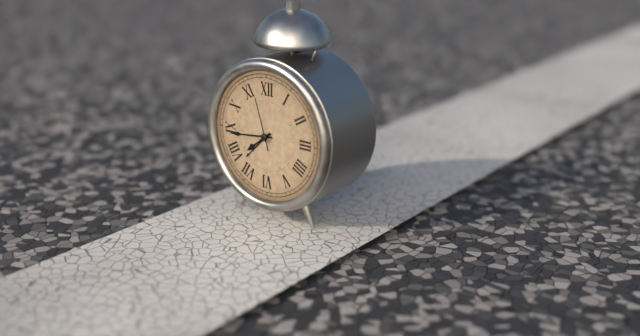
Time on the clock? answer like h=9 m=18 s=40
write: h=7 m=44 s=57
